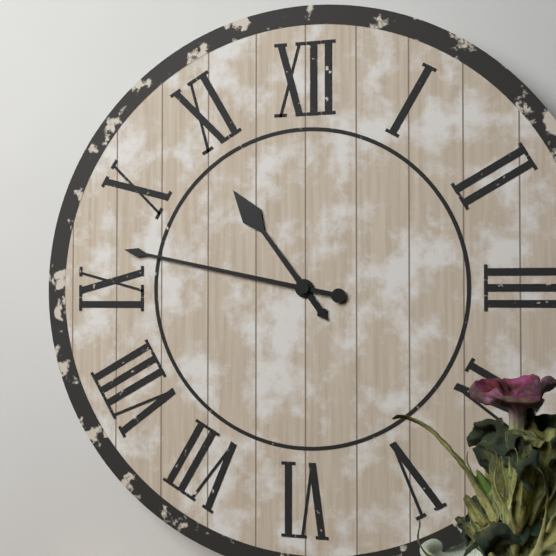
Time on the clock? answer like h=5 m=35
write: h=10 m=47
